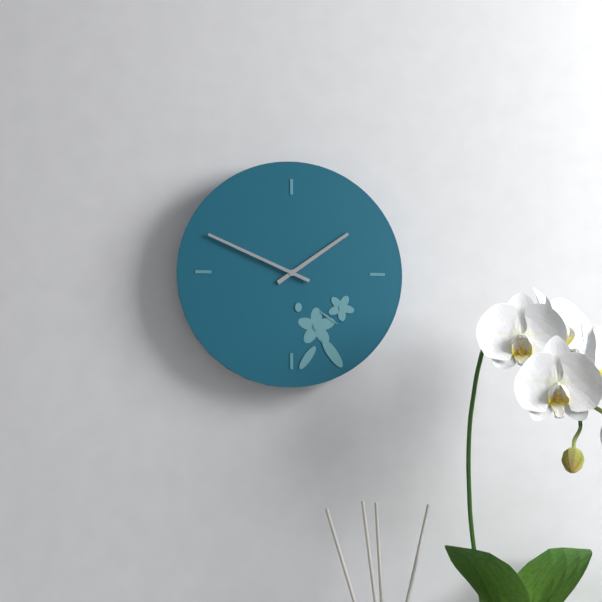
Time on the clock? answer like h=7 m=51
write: h=1 m=49
